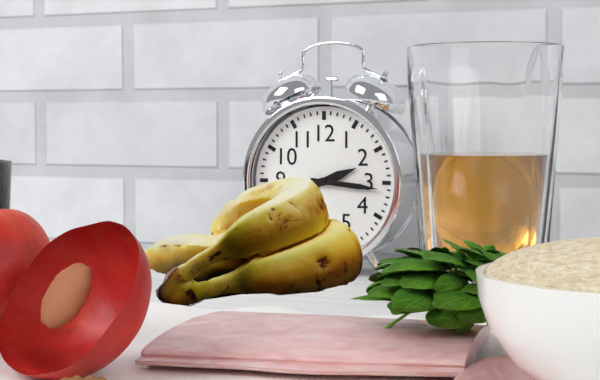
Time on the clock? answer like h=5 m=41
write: h=2 m=16
